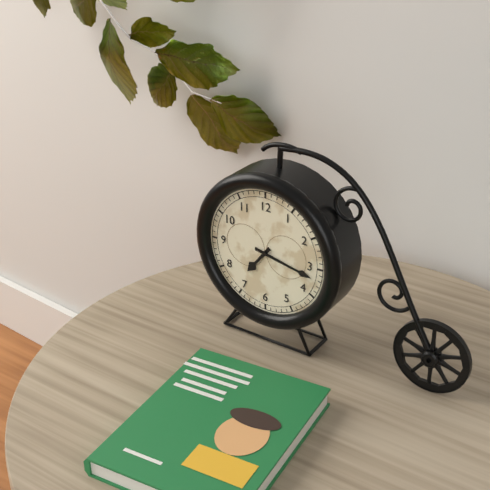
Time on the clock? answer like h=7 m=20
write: h=7 m=17
